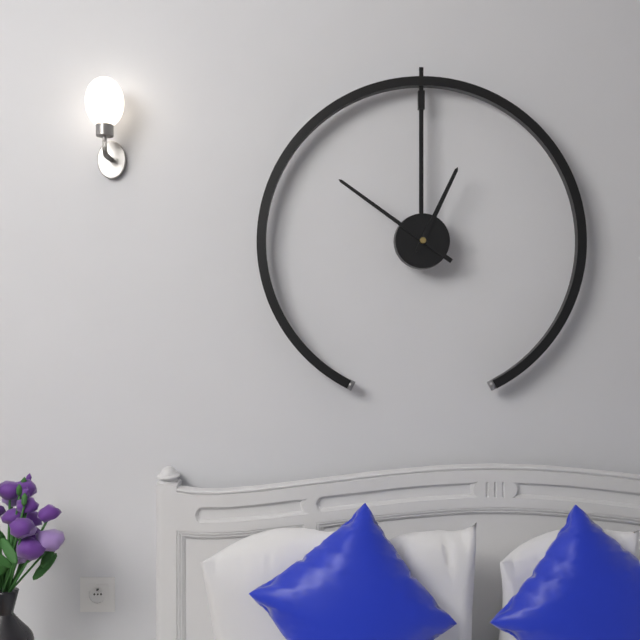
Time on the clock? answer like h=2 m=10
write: h=12 m=51
